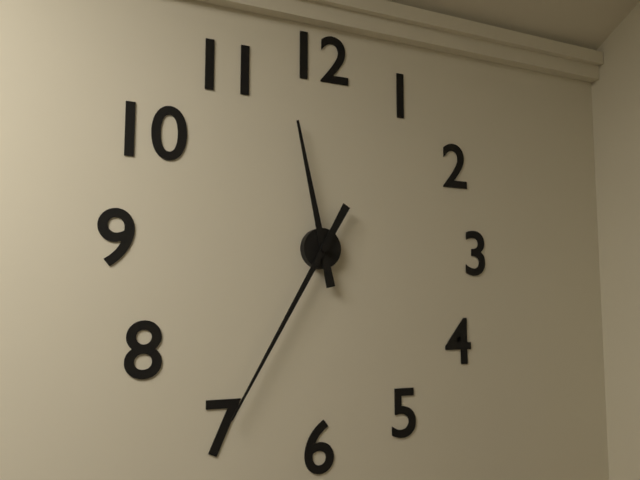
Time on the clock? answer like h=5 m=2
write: h=11 m=35
